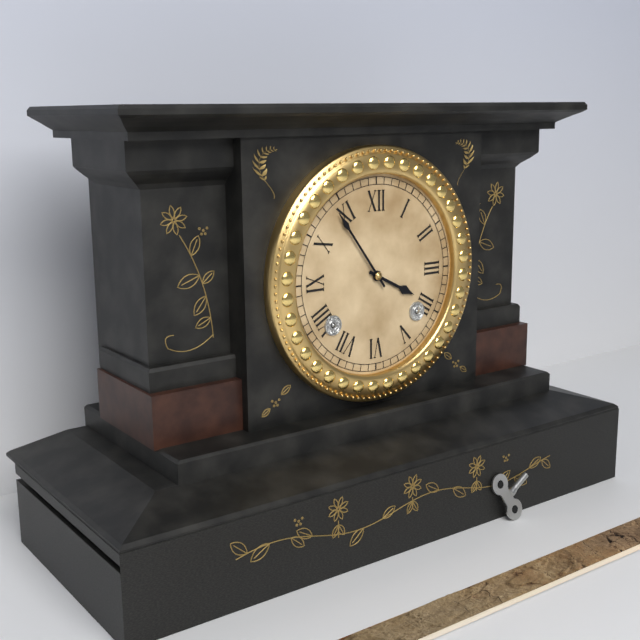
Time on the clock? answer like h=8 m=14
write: h=3 m=54
